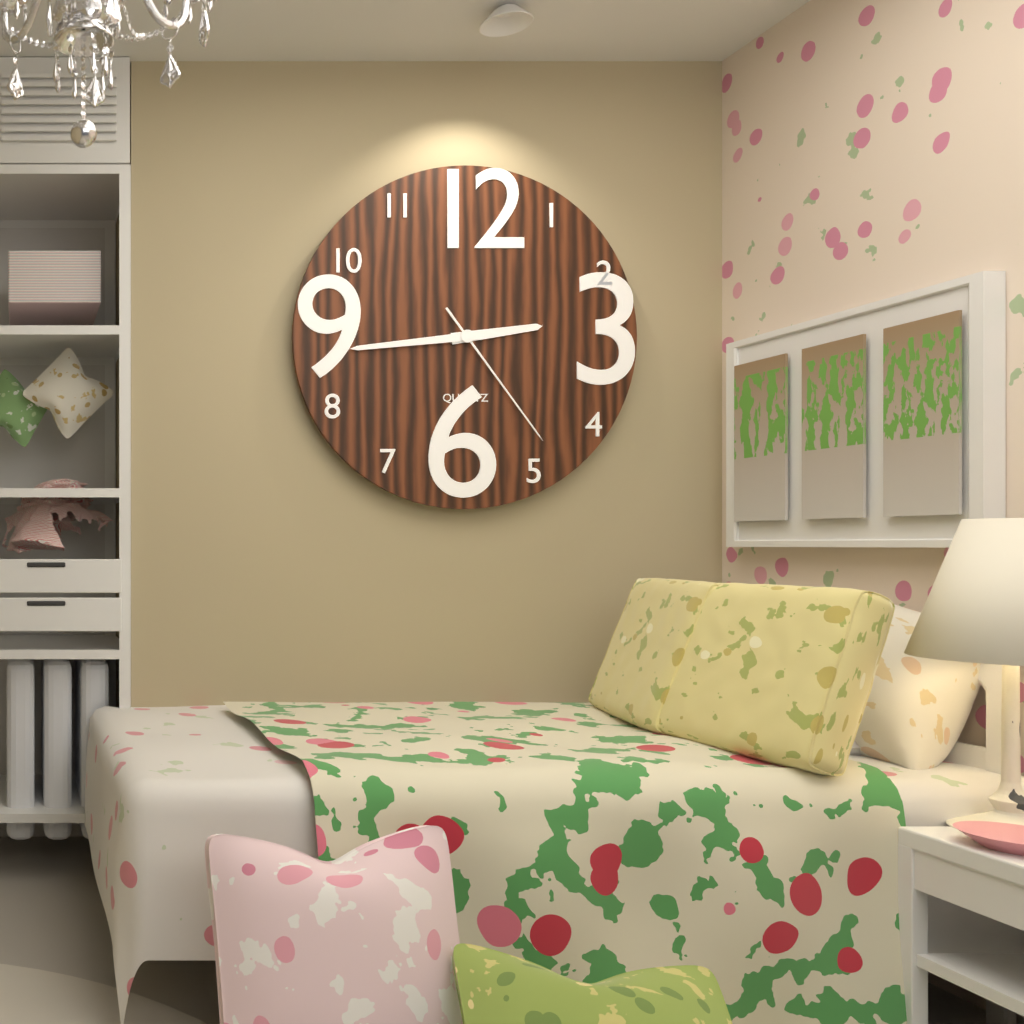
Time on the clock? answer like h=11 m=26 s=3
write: h=2 m=44 s=24
